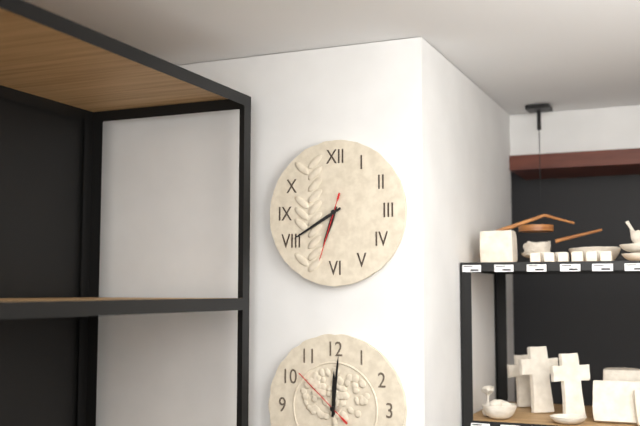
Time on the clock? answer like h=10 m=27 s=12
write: h=6 m=40 s=33
